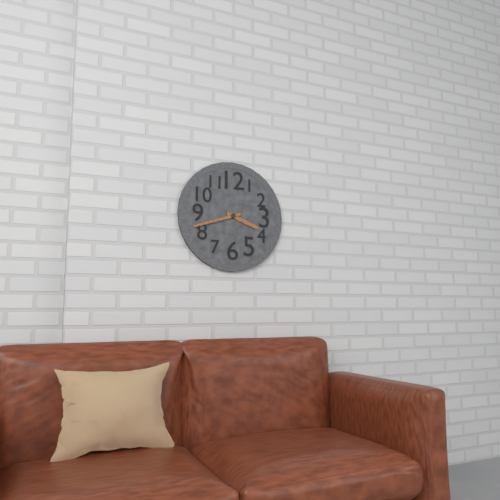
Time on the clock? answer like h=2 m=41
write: h=3 m=42
